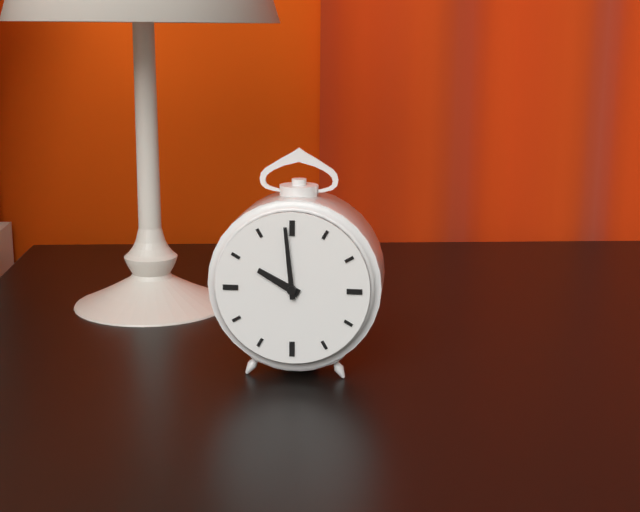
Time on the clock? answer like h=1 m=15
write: h=9 m=59
